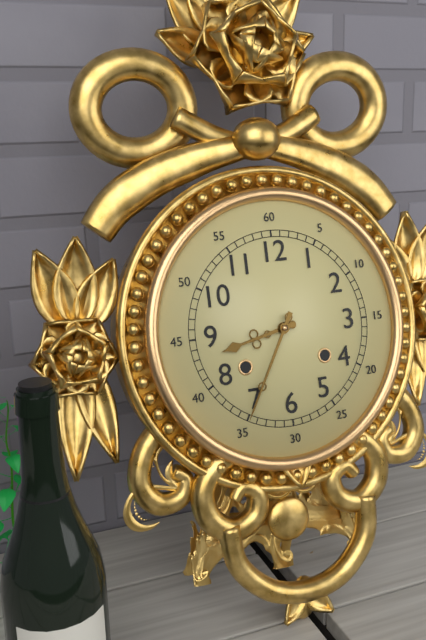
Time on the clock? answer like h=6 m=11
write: h=8 m=35
